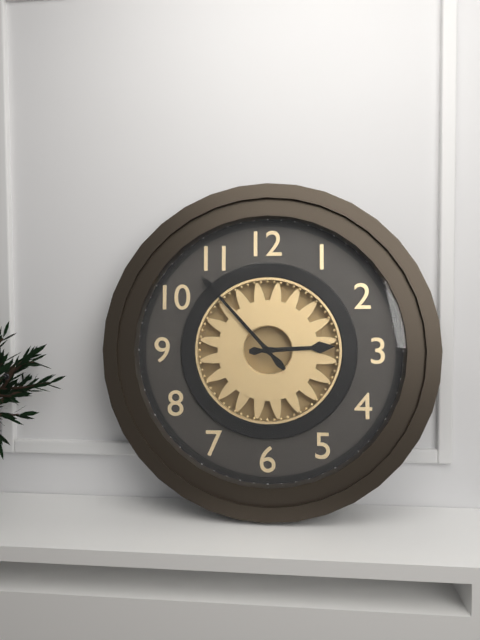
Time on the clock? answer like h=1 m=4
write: h=2 m=53
